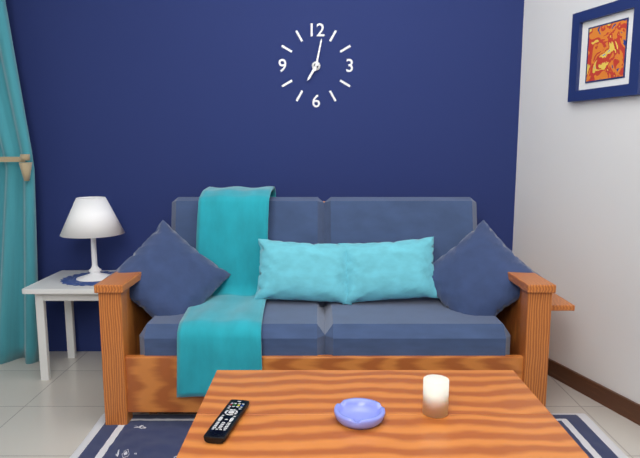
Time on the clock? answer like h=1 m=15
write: h=7 m=2
